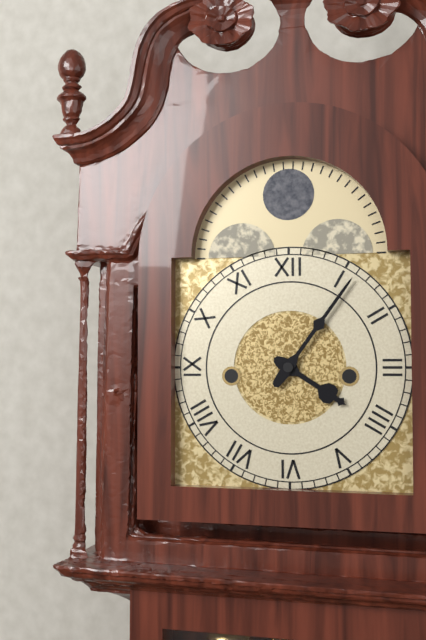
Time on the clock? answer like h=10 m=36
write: h=4 m=6
